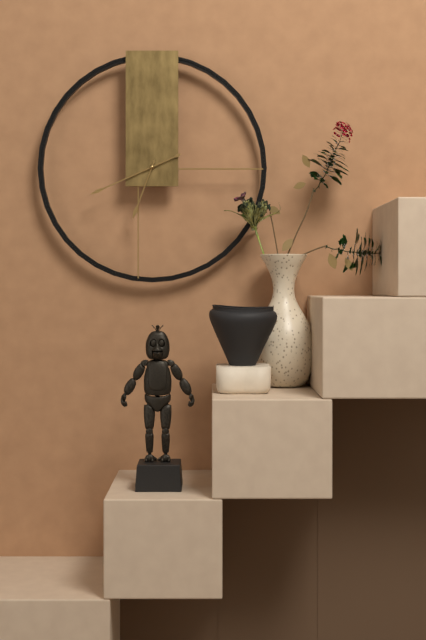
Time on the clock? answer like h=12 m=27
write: h=6 m=41
